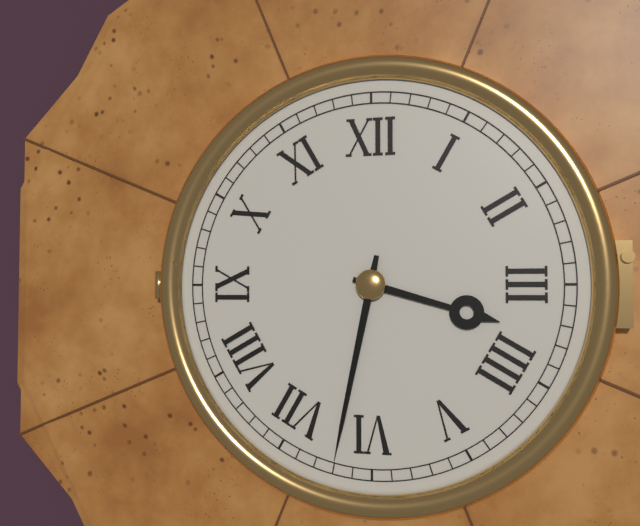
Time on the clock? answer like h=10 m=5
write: h=3 m=32
